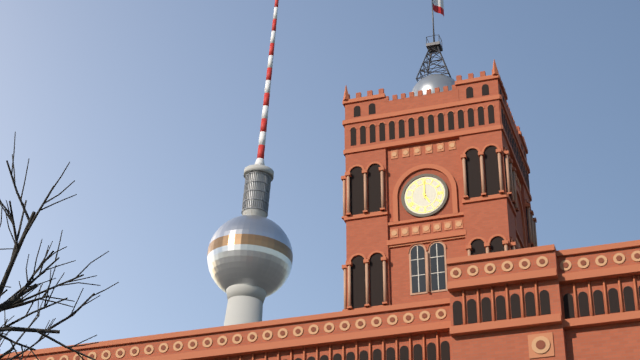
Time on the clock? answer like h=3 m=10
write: h=5 m=0
